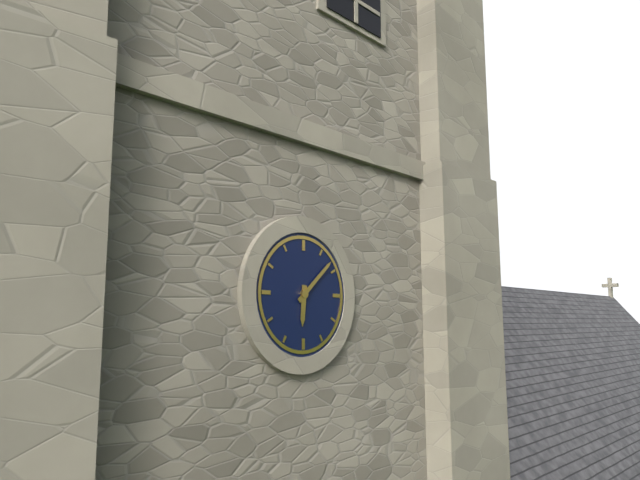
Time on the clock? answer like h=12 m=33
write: h=6 m=8
